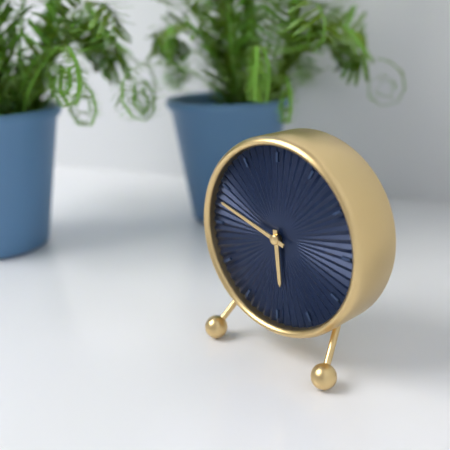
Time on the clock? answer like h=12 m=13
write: h=5 m=48
